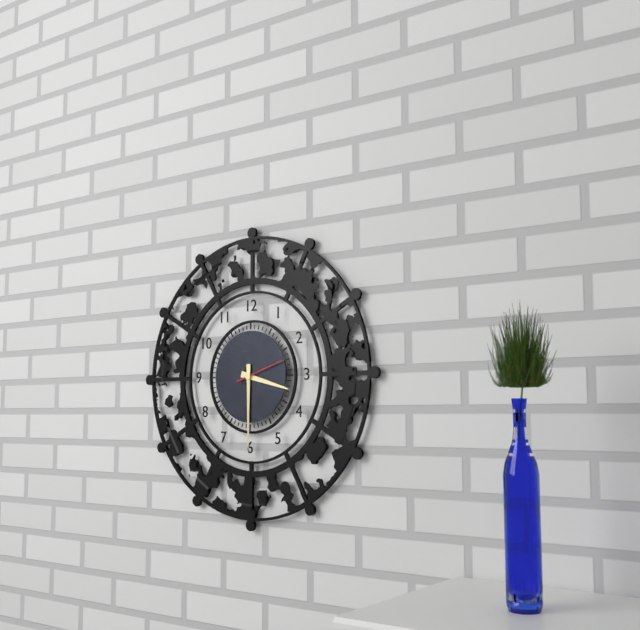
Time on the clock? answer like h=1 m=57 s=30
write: h=3 m=30 s=12
